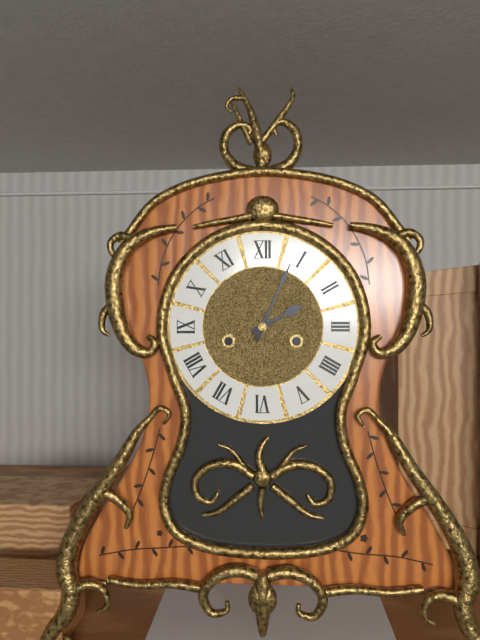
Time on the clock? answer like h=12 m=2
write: h=2 m=4
